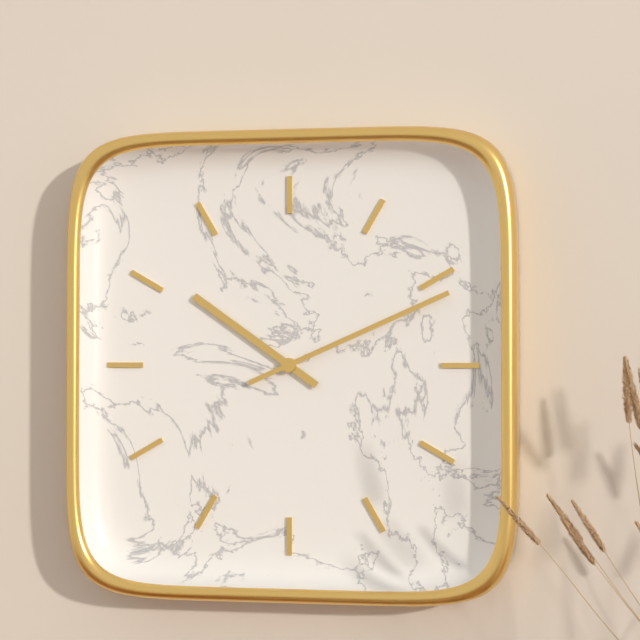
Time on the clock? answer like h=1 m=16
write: h=10 m=11
